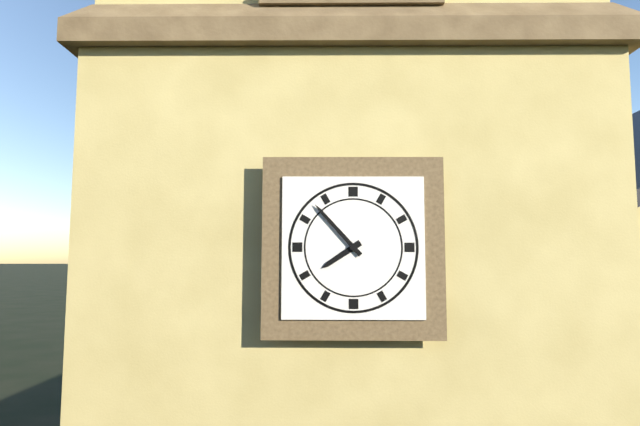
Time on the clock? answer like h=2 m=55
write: h=7 m=53
